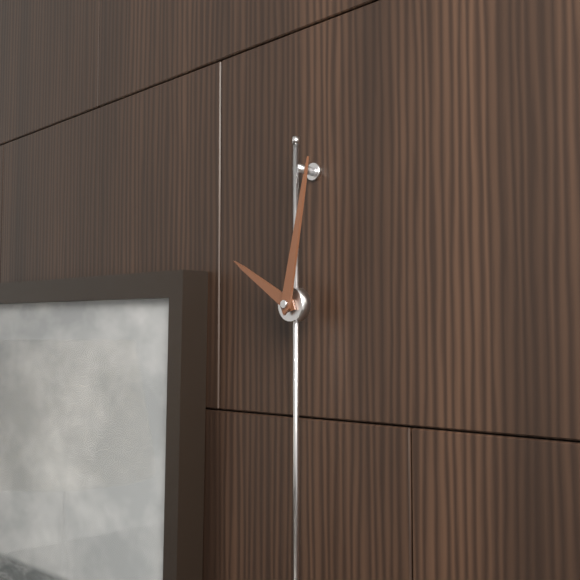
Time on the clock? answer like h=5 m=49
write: h=10 m=2
